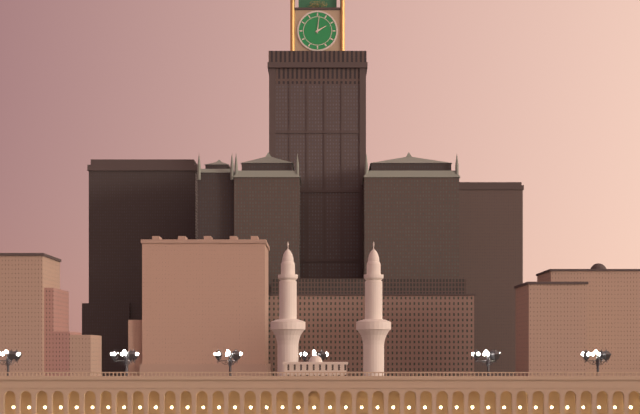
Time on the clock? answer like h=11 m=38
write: h=2 m=1
